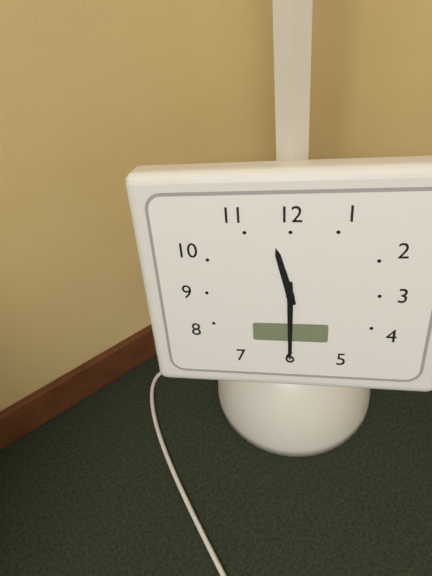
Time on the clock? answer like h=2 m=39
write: h=11 m=30
